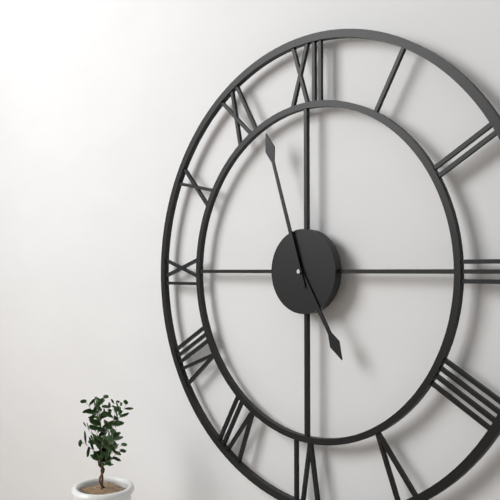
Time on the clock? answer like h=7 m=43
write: h=4 m=57
